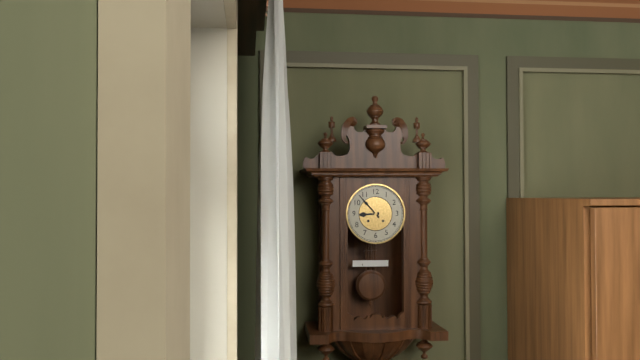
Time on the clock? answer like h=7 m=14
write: h=8 m=53
